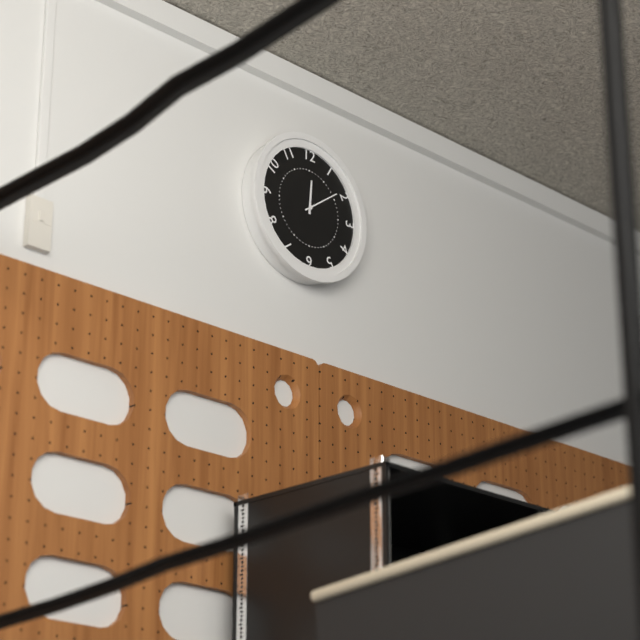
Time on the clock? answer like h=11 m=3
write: h=12 m=9
